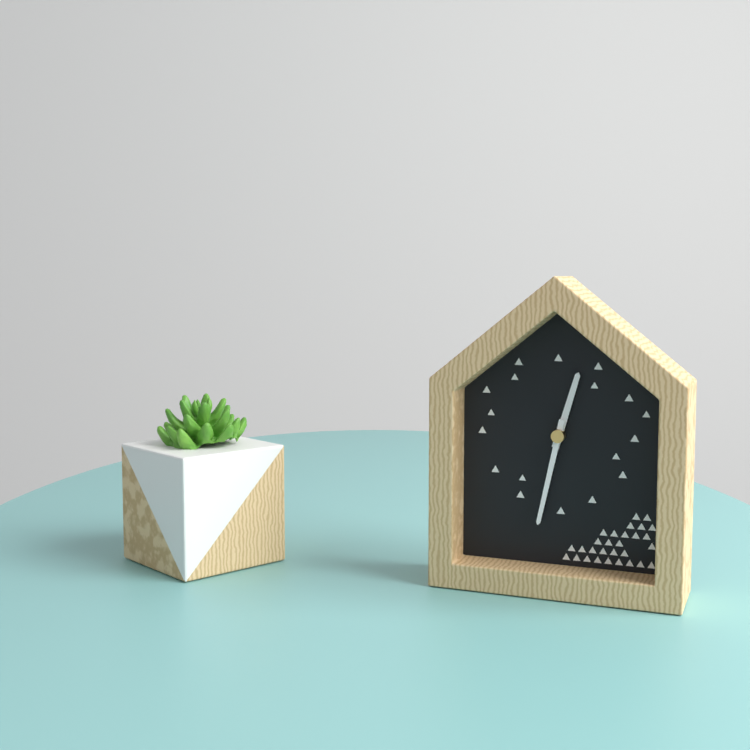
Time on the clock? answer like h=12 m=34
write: h=12 m=32
